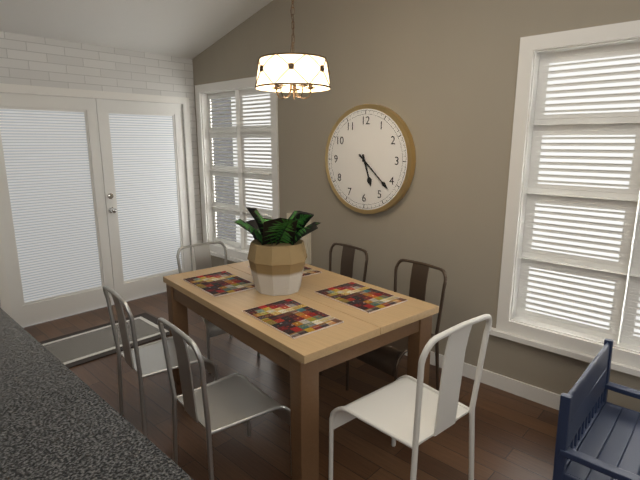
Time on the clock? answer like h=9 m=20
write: h=5 m=22
